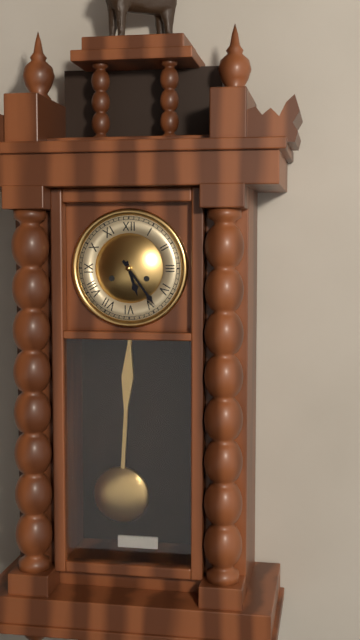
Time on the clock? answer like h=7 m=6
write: h=5 m=24
